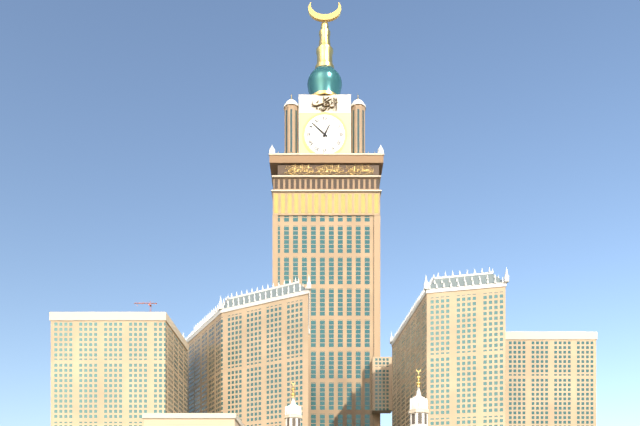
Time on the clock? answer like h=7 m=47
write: h=12 m=52
